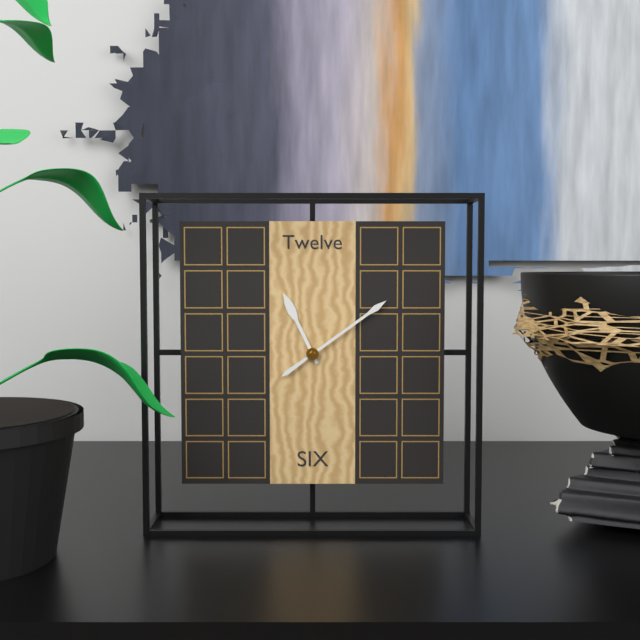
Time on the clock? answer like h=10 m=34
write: h=11 m=9
